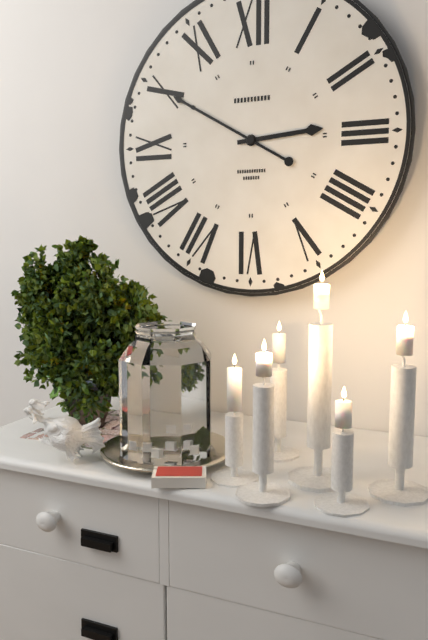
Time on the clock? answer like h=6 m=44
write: h=2 m=50
